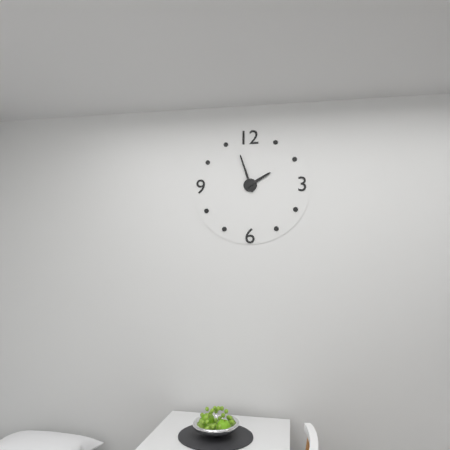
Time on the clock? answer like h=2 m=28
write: h=1 m=57
